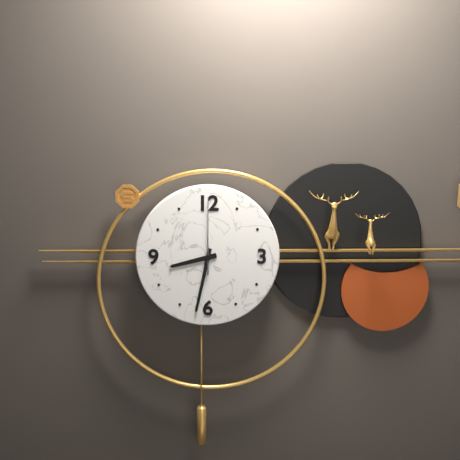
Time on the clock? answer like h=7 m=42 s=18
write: h=8 m=32 s=0
